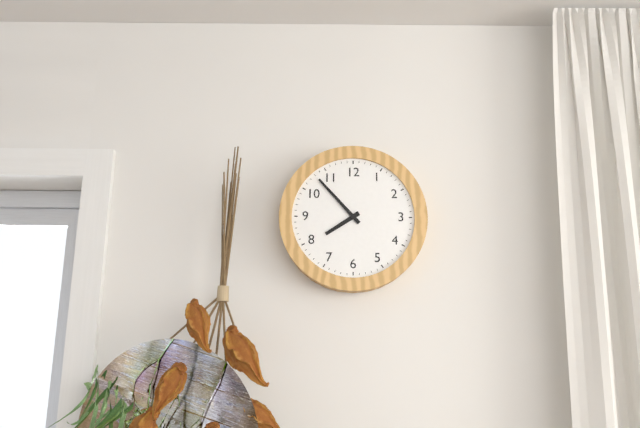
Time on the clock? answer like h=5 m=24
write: h=7 m=53
